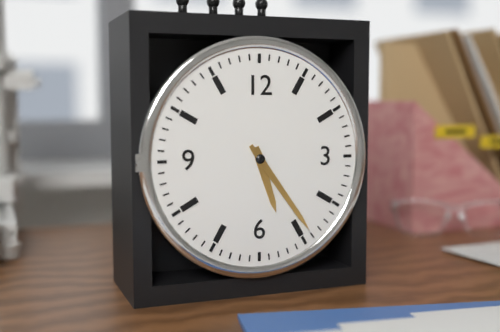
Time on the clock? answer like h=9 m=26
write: h=5 m=24
